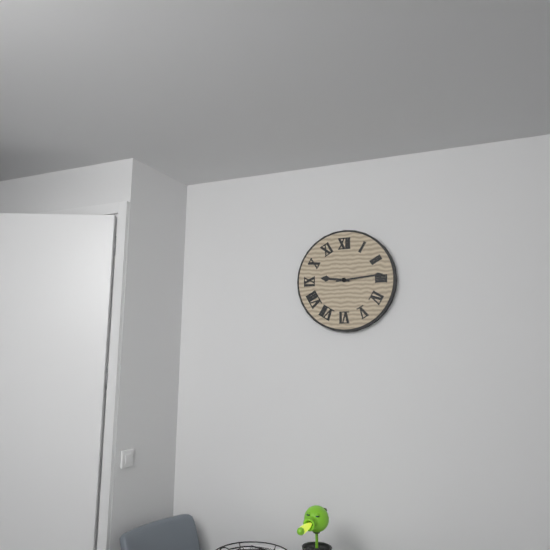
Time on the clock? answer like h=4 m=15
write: h=9 m=14
